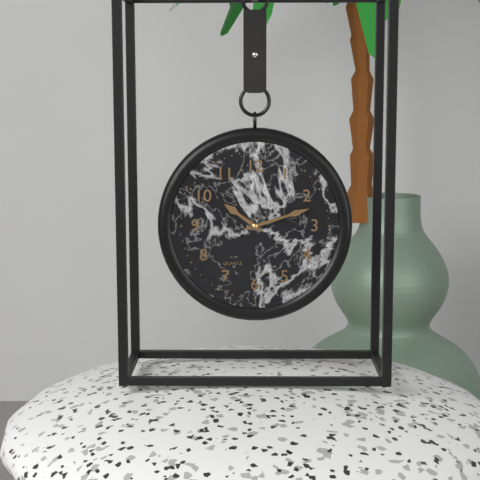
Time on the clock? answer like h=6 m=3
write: h=10 m=12
